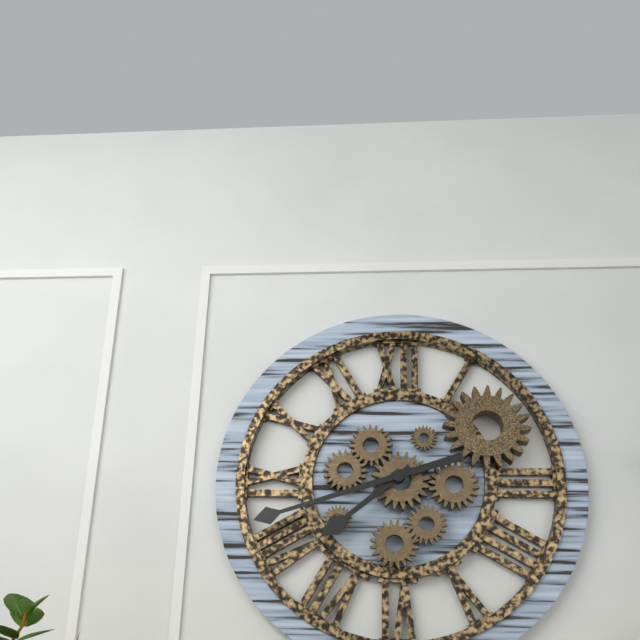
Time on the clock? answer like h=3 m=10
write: h=7 m=42
